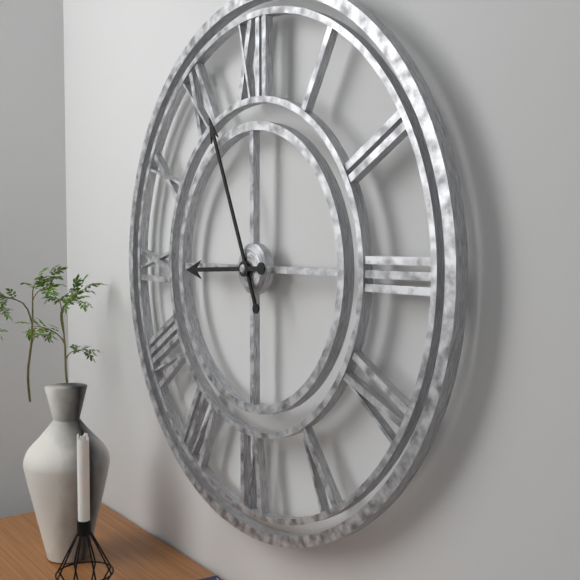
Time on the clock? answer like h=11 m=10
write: h=8 m=56
